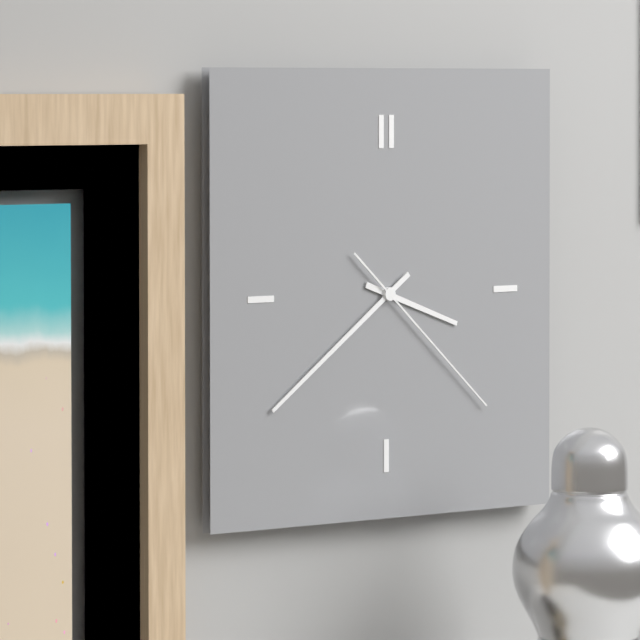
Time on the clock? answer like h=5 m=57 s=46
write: h=3 m=39 s=22
